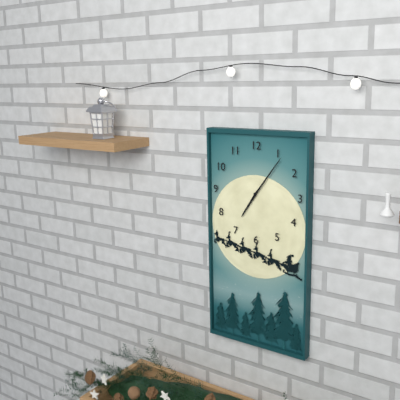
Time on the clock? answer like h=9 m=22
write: h=7 m=6
